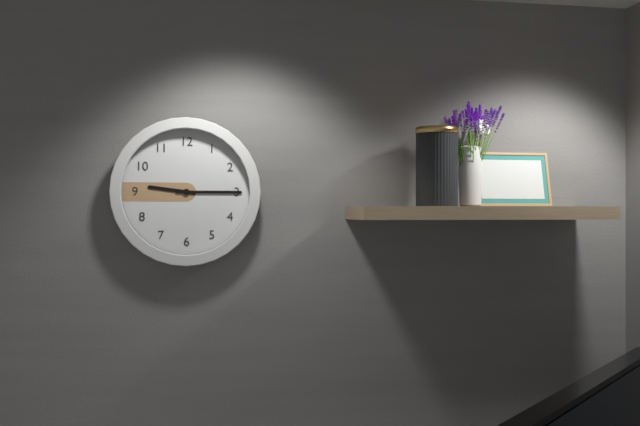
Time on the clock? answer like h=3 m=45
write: h=9 m=15
